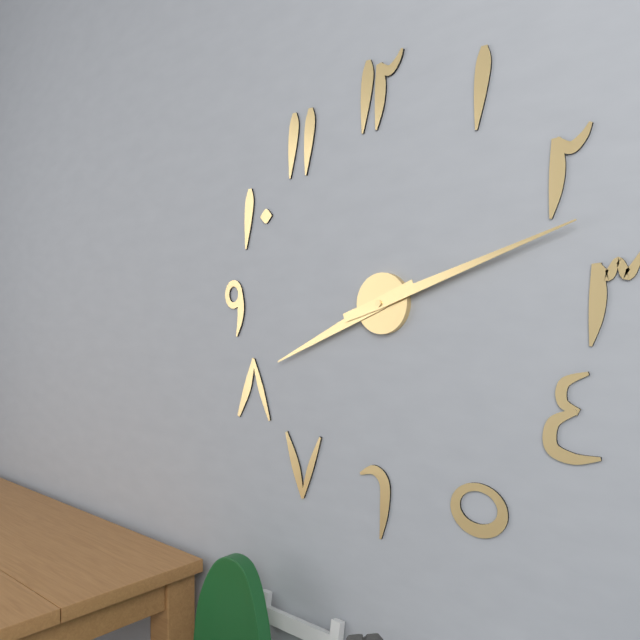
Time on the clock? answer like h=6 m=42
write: h=8 m=12
